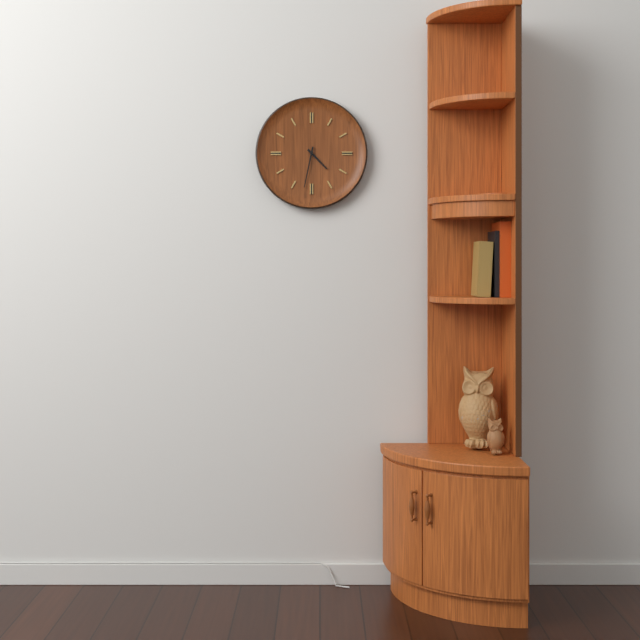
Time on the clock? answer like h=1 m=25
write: h=4 m=32
